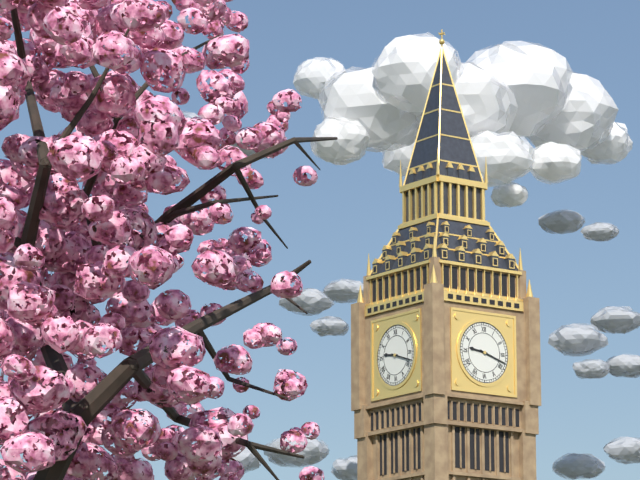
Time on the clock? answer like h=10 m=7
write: h=9 m=18
